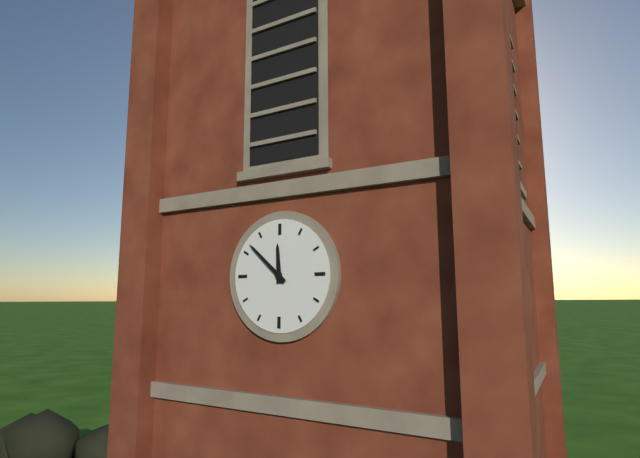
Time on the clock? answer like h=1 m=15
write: h=11 m=52
